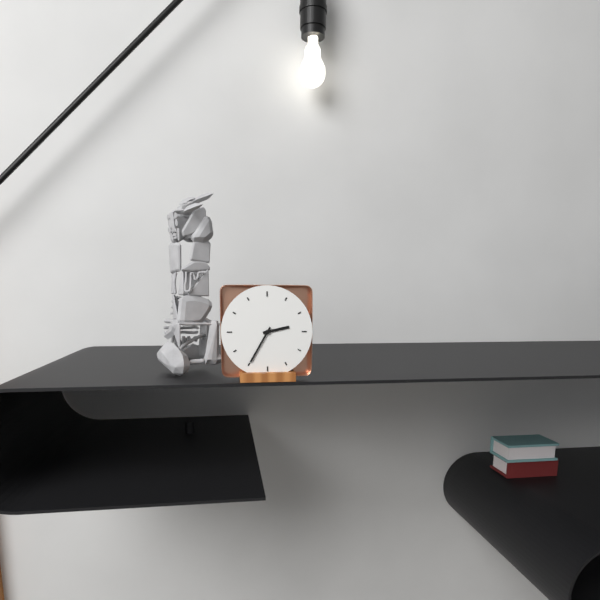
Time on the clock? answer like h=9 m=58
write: h=2 m=35
